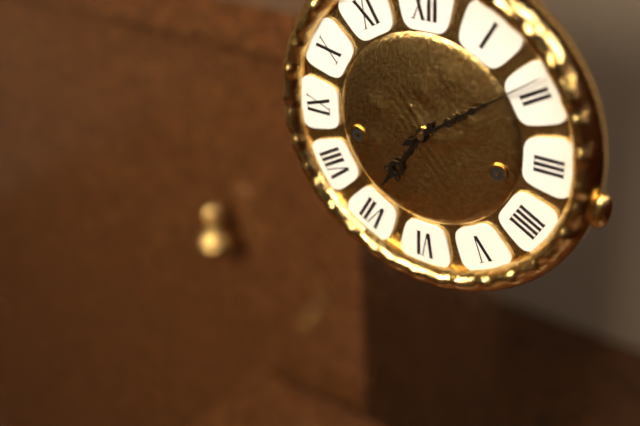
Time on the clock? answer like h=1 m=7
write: h=7 m=9
